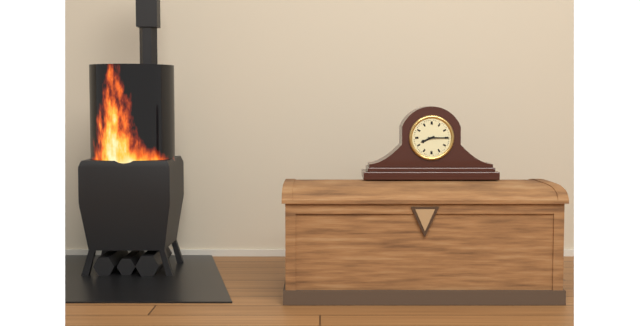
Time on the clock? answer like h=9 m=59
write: h=8 m=15
